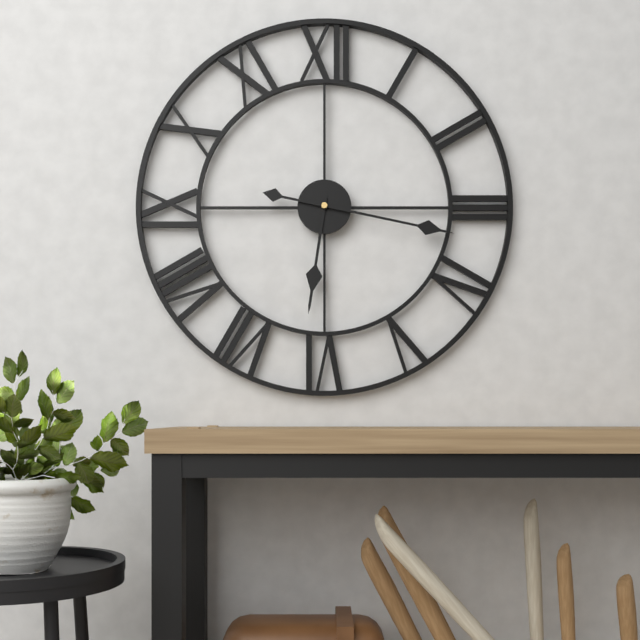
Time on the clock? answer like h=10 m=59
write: h=6 m=17
